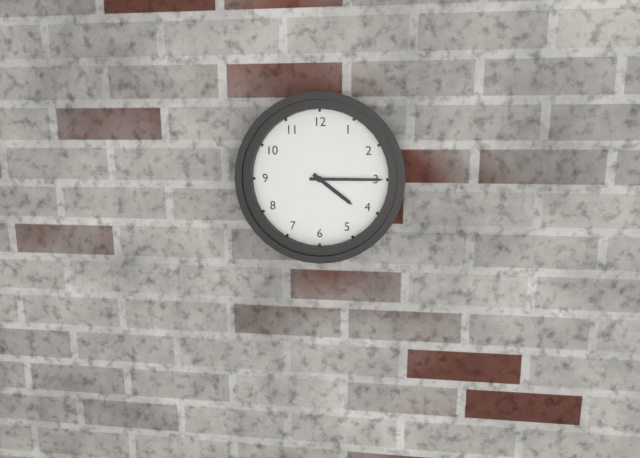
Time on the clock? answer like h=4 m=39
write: h=4 m=15
